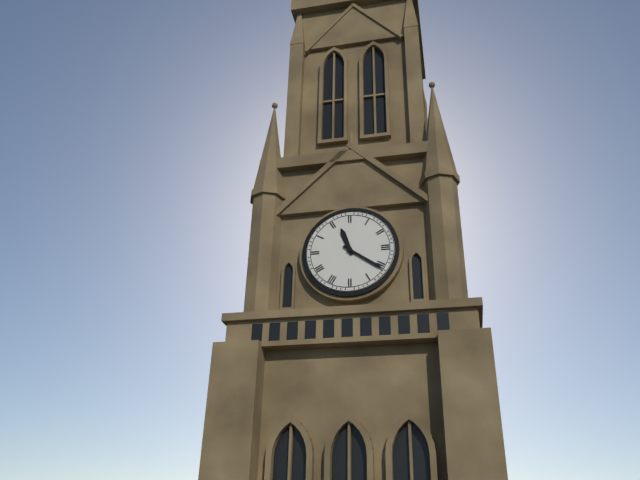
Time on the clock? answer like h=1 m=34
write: h=11 m=21
